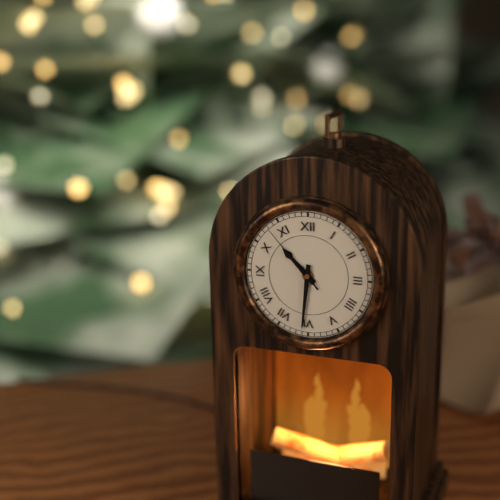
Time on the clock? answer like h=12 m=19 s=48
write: h=10 m=31 s=53
